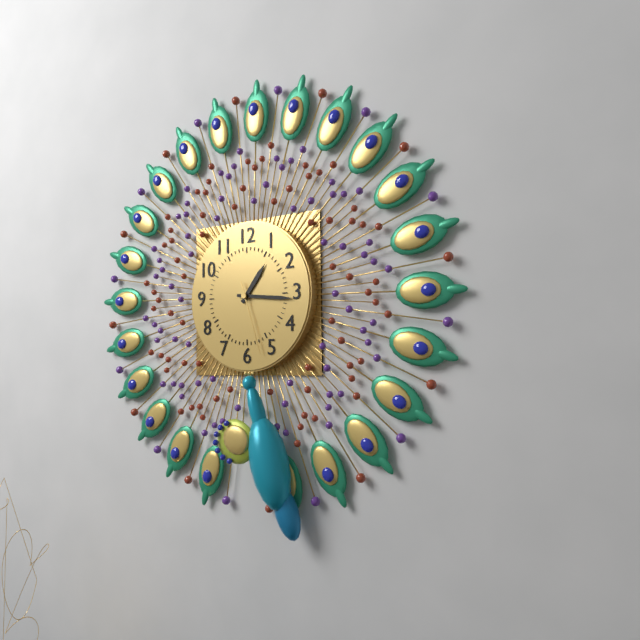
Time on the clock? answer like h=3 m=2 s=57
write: h=1 m=16 s=27
